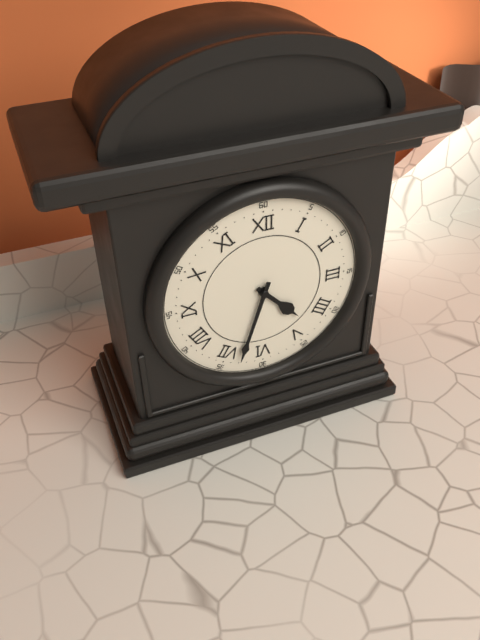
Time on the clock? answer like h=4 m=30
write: h=4 m=33
